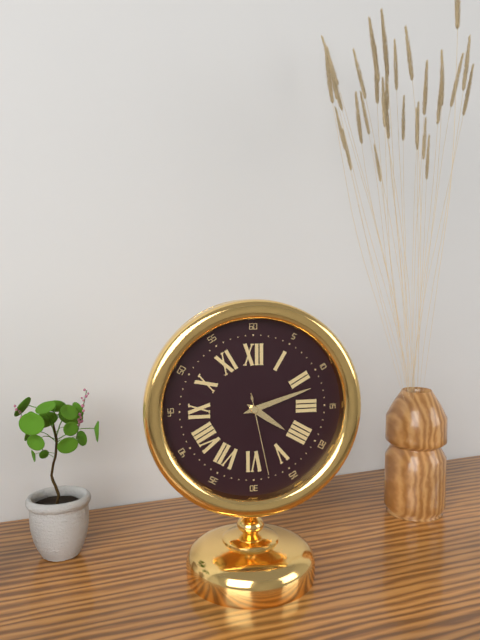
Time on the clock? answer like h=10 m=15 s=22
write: h=4 m=12 s=28
